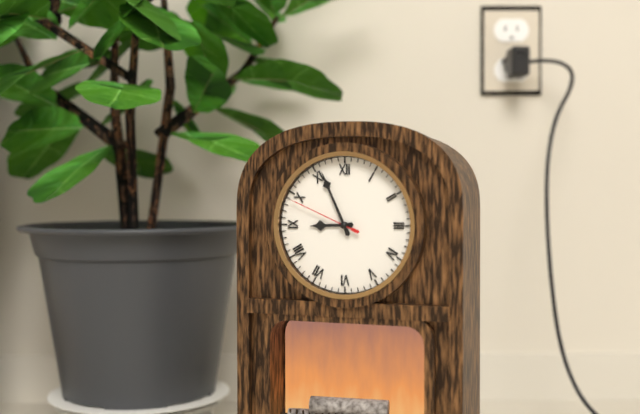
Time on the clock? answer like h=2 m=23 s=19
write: h=8 m=56 s=49
